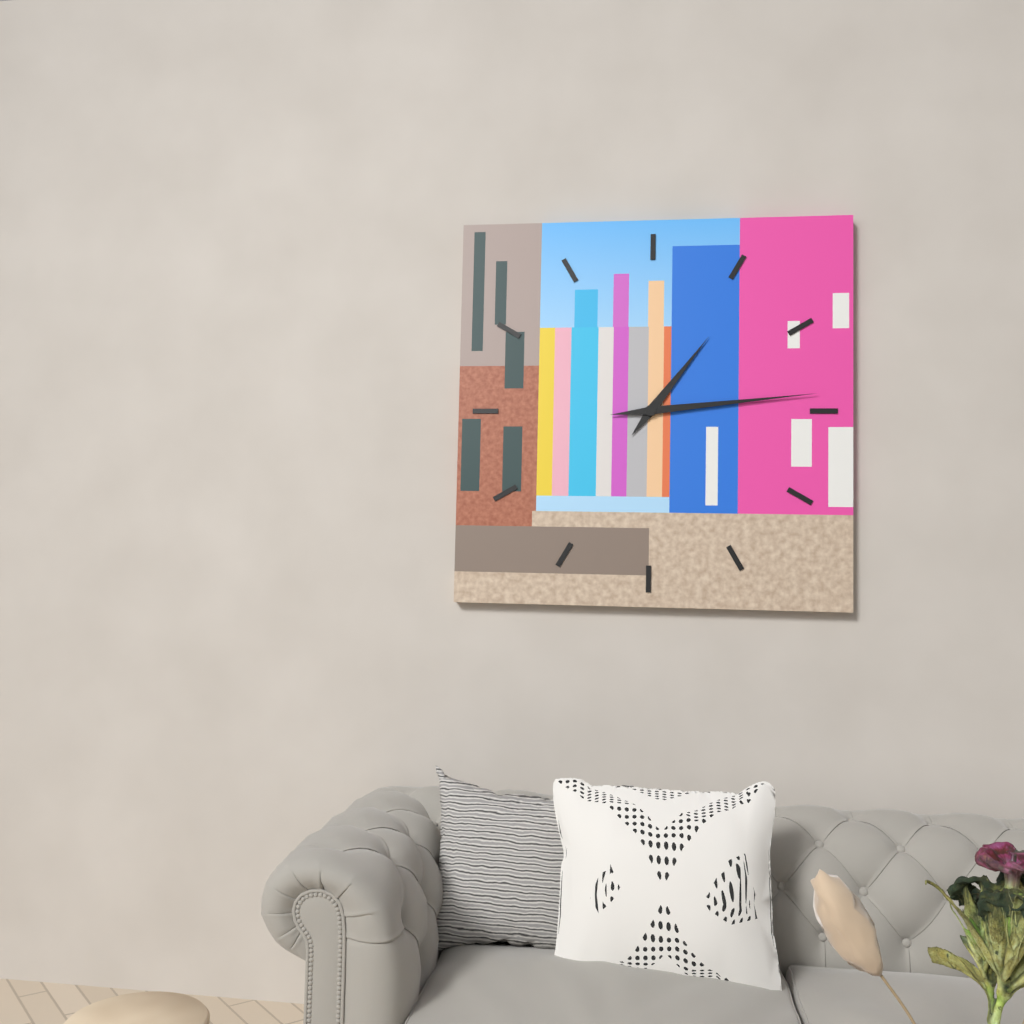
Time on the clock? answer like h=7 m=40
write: h=1 m=14
